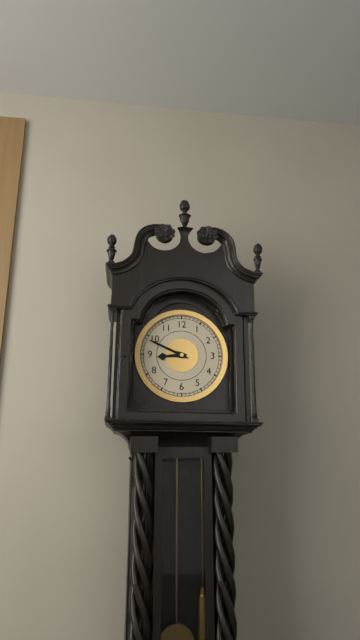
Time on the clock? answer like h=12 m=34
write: h=8 m=49
